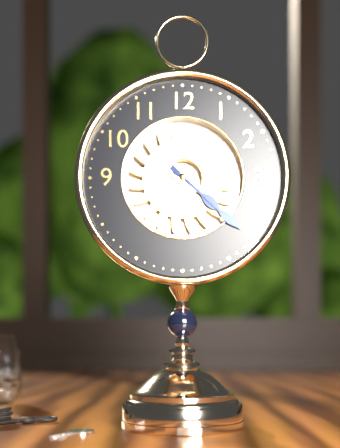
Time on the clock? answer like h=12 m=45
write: h=4 m=22
